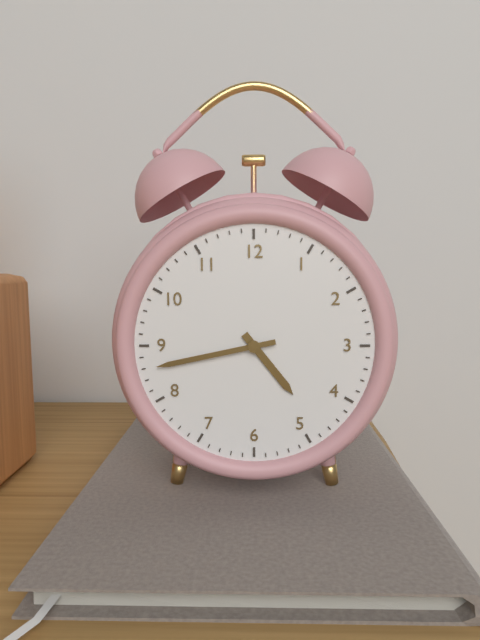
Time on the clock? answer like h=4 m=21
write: h=4 m=43
